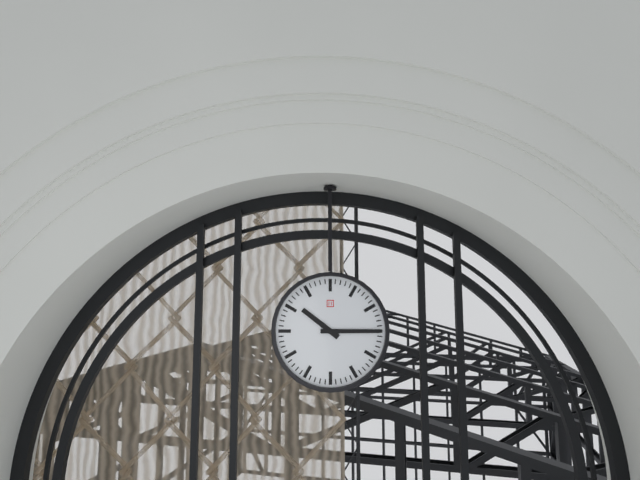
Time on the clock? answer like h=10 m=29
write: h=10 m=15
